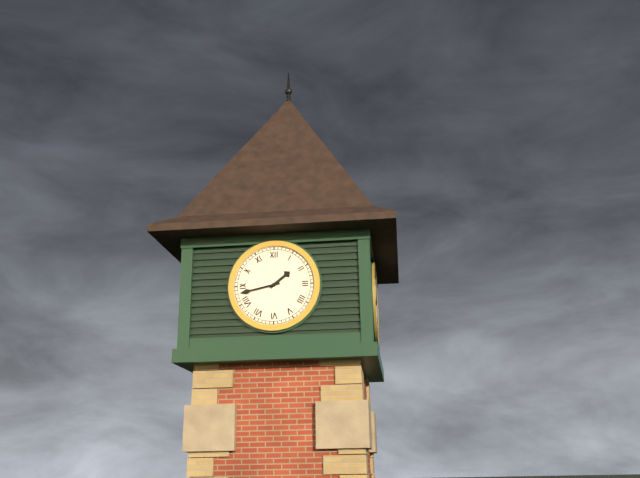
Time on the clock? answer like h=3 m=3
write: h=1 m=43
